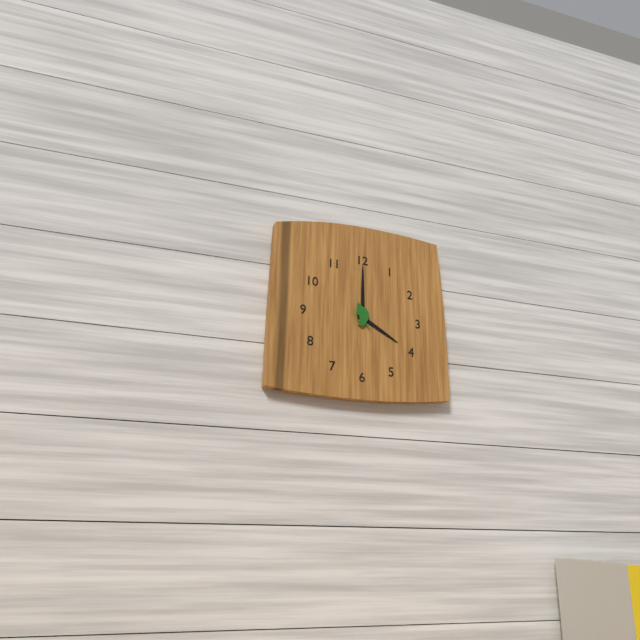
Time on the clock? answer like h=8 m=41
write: h=4 m=0
